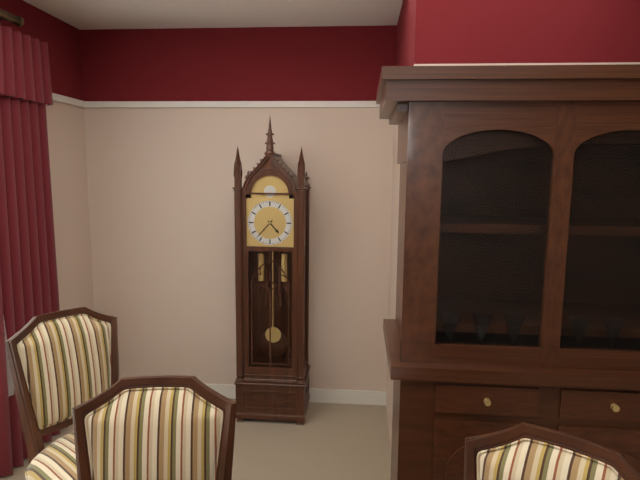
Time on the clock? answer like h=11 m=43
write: h=4 m=37
